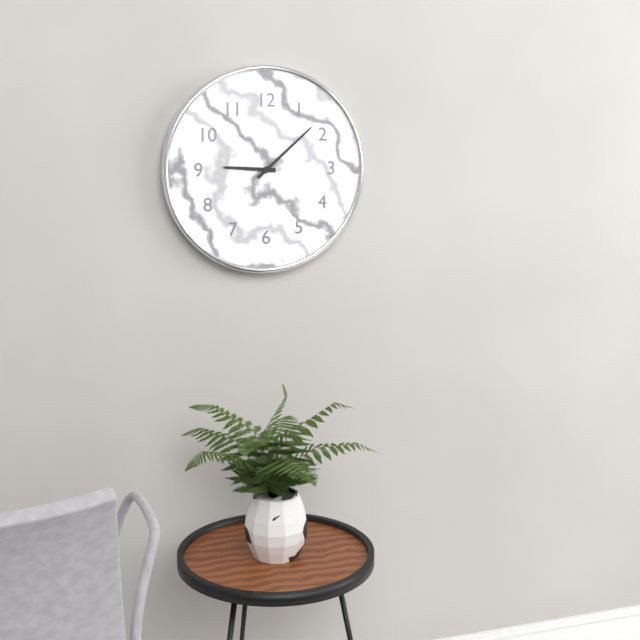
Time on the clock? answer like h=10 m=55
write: h=9 m=8
